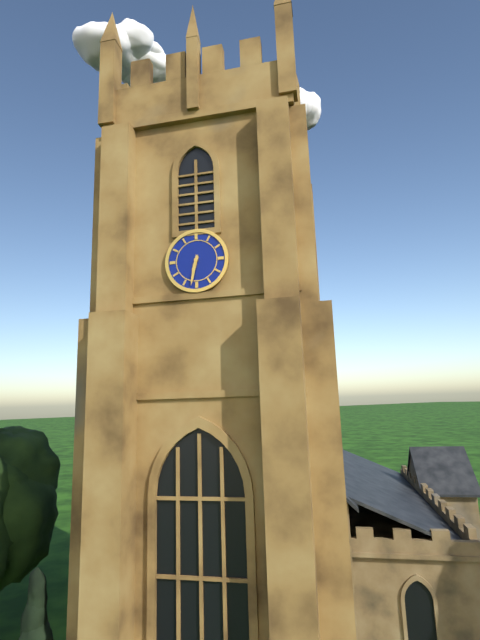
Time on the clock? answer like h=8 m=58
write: h=6 m=32
